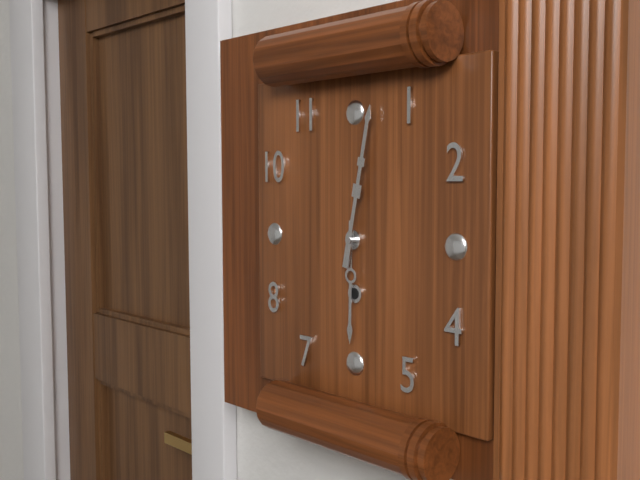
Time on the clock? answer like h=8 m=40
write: h=6 m=2
